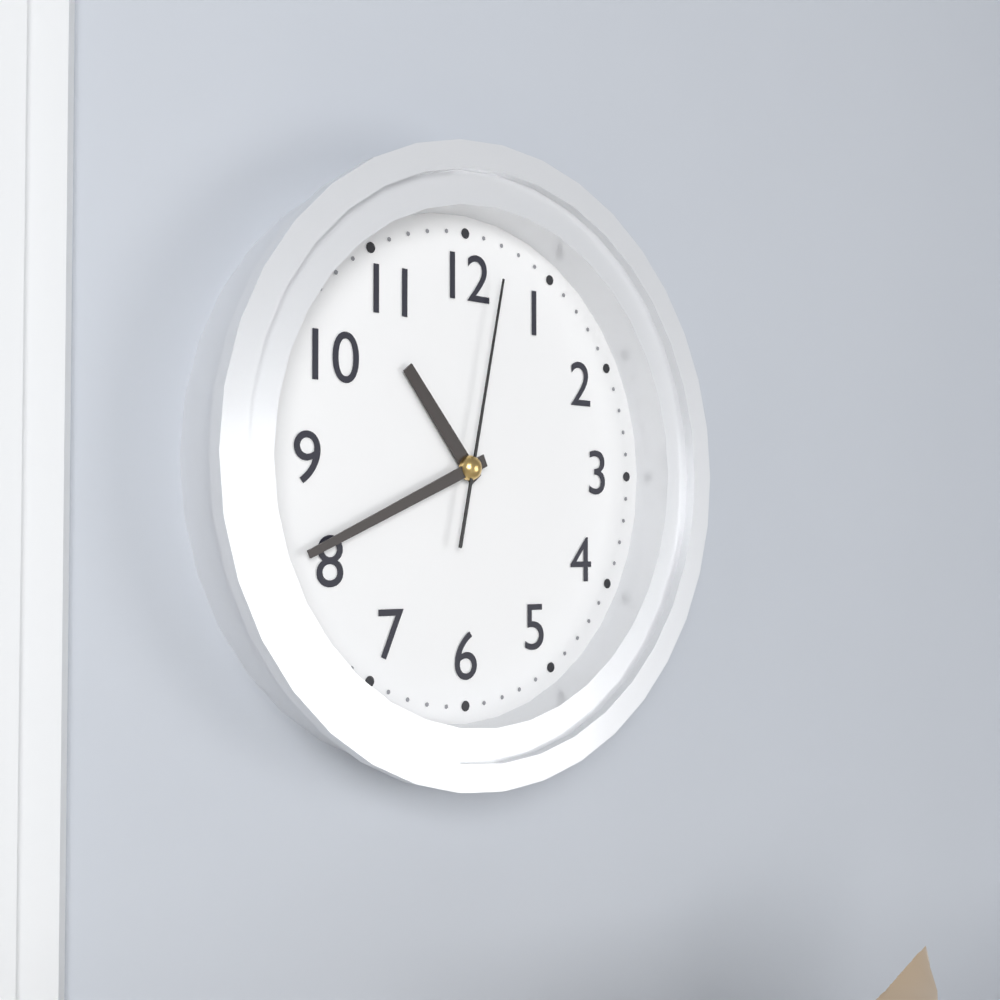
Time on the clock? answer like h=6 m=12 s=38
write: h=10 m=41 s=2
